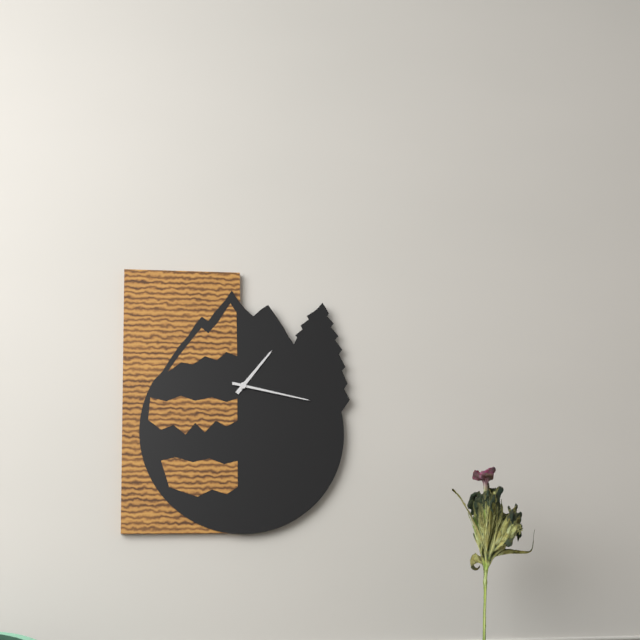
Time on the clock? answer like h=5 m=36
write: h=1 m=17
